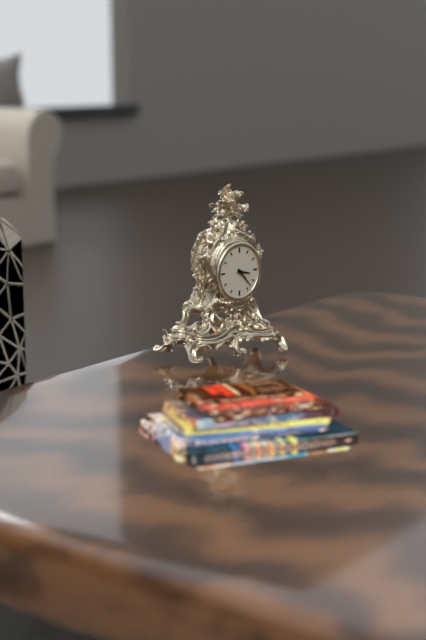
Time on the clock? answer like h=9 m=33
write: h=3 m=23
